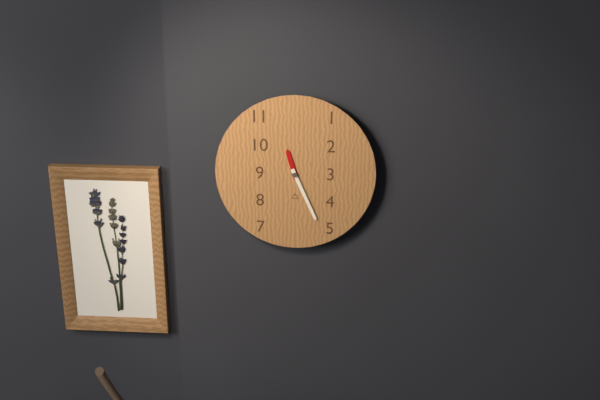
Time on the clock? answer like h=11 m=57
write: h=11 m=26
